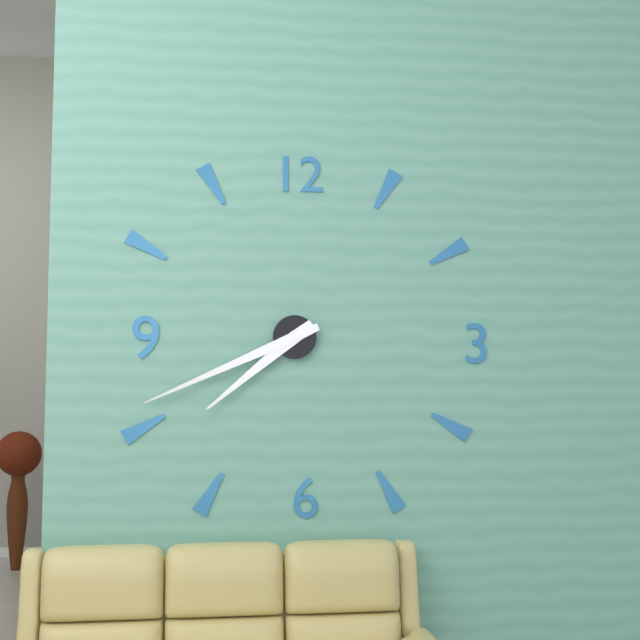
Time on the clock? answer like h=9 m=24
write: h=7 m=41
